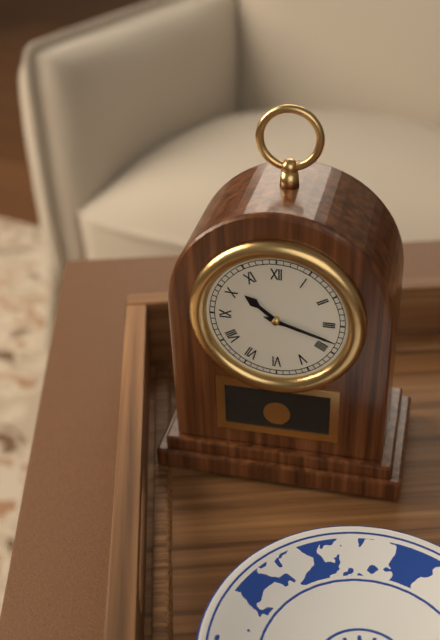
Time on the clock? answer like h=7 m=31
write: h=10 m=18
